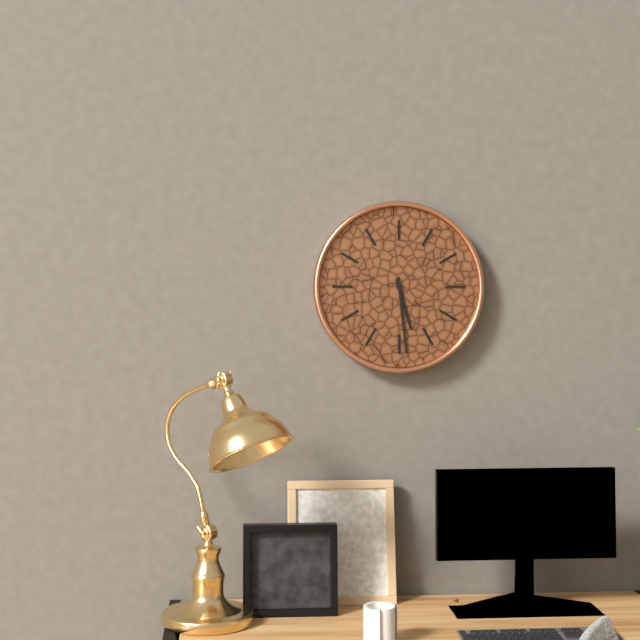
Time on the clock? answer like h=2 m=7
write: h=5 m=29
